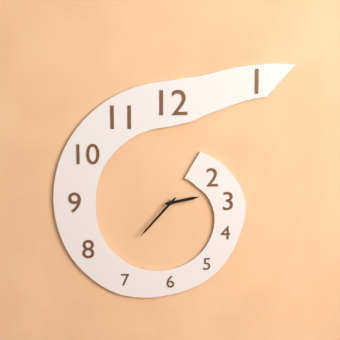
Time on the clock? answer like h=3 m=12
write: h=2 m=37
